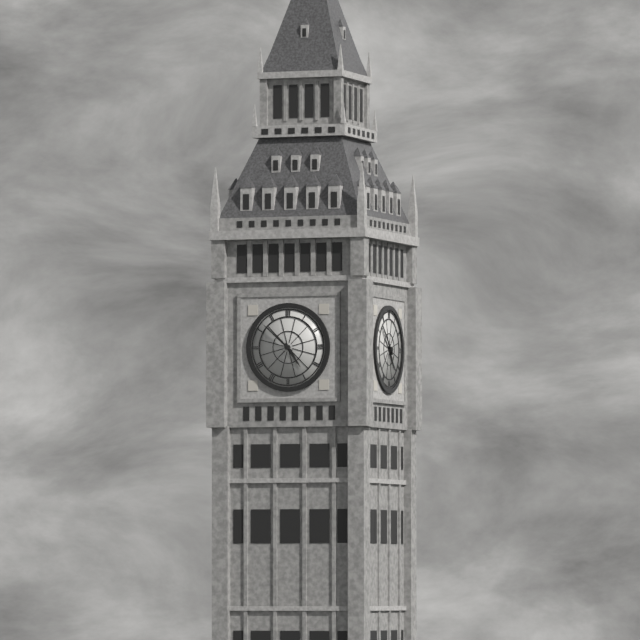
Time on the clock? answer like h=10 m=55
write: h=4 m=52
